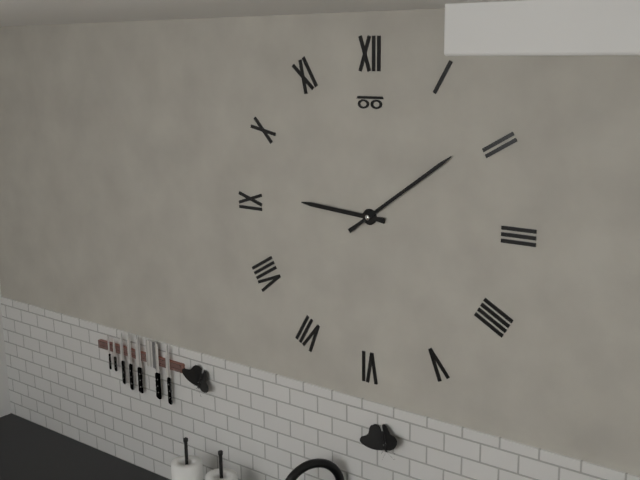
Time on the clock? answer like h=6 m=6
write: h=9 m=9
